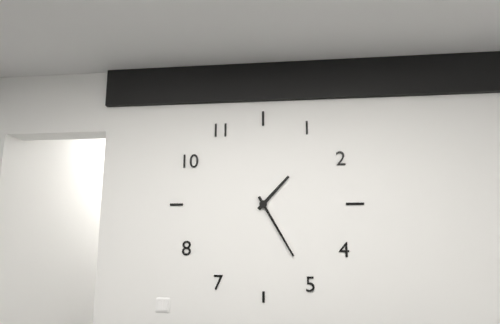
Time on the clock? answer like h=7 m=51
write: h=1 m=25
